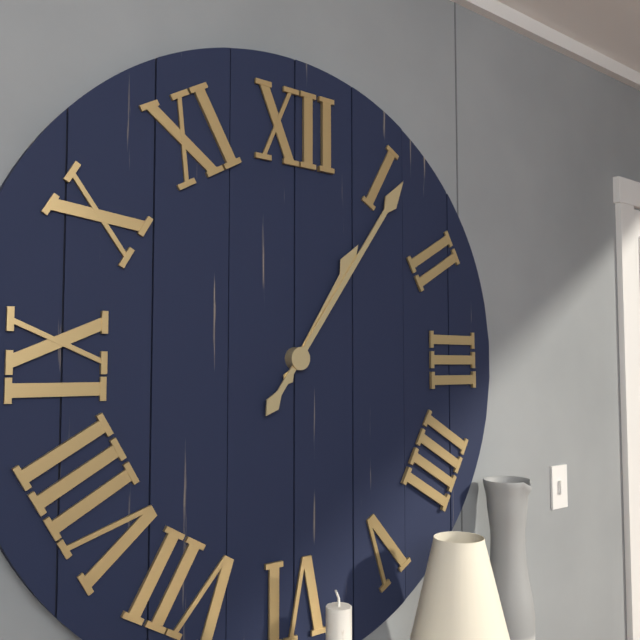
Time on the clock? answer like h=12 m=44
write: h=1 m=6
